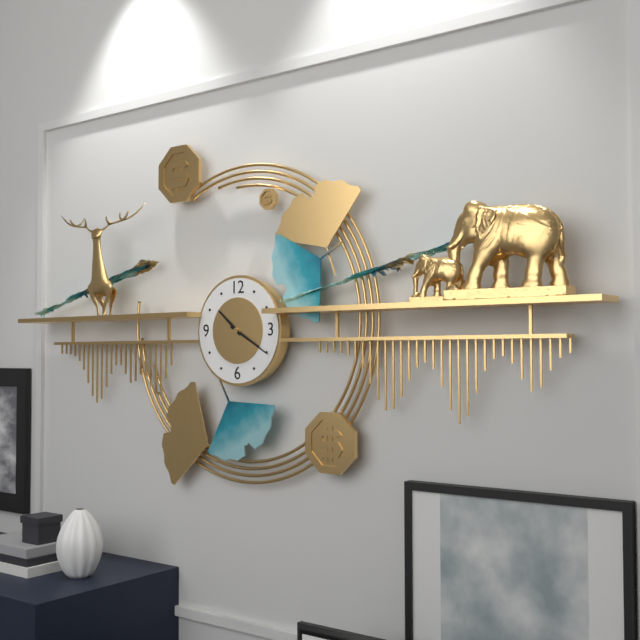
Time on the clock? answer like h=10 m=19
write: h=10 m=20
